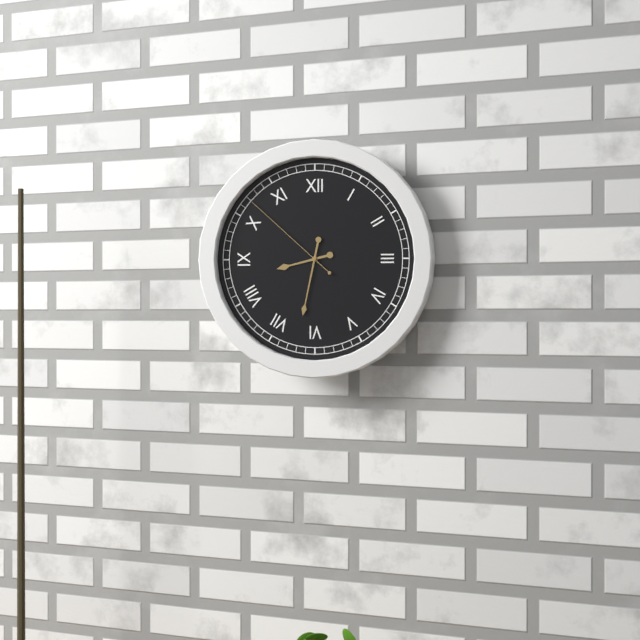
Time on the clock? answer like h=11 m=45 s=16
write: h=8 m=32 s=52
